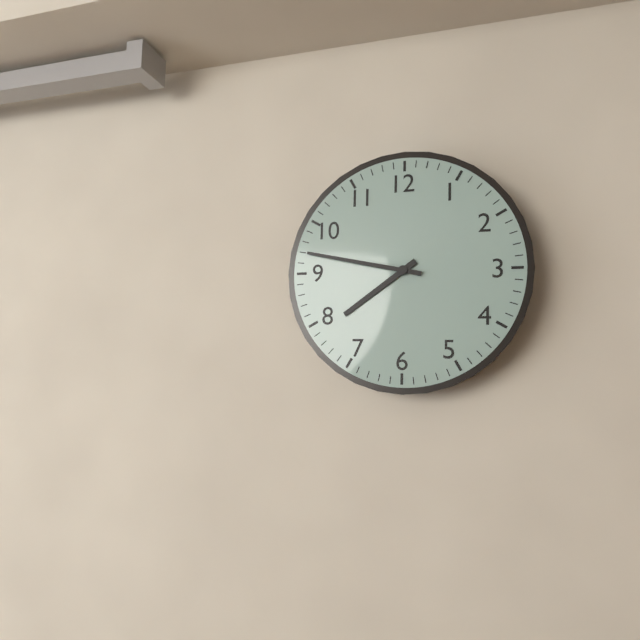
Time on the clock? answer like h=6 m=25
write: h=7 m=47
